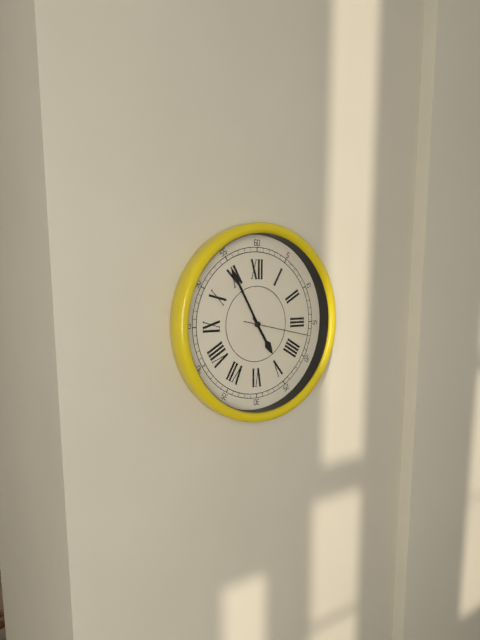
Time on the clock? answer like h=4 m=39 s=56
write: h=4 m=55 s=17
